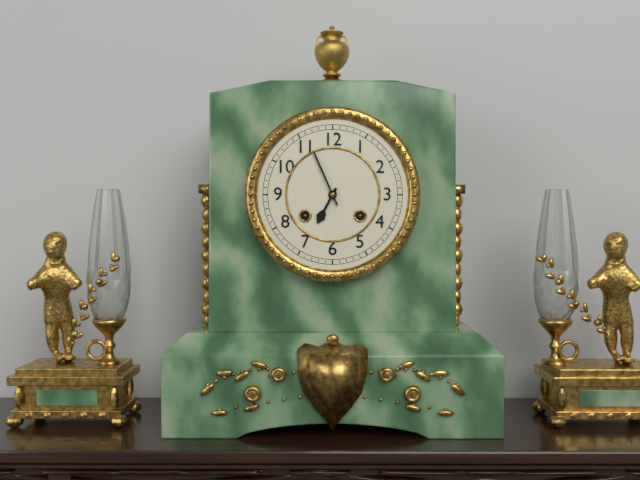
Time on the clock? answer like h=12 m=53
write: h=6 m=56
